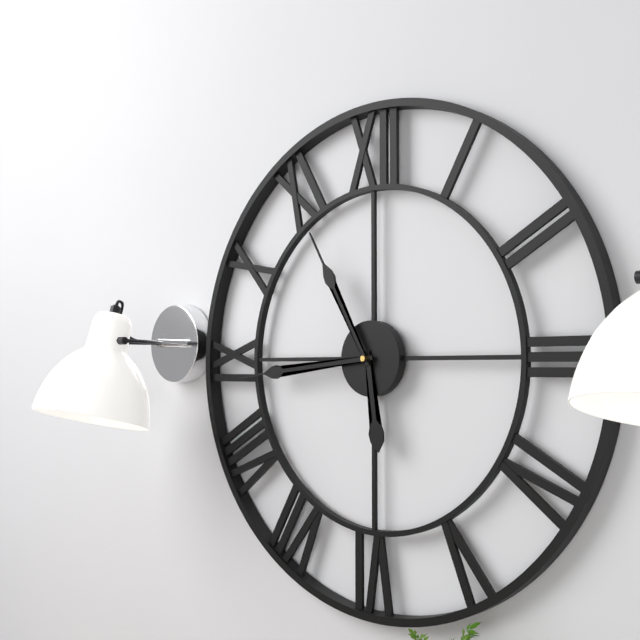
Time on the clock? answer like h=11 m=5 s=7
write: h=5 m=44 s=55
